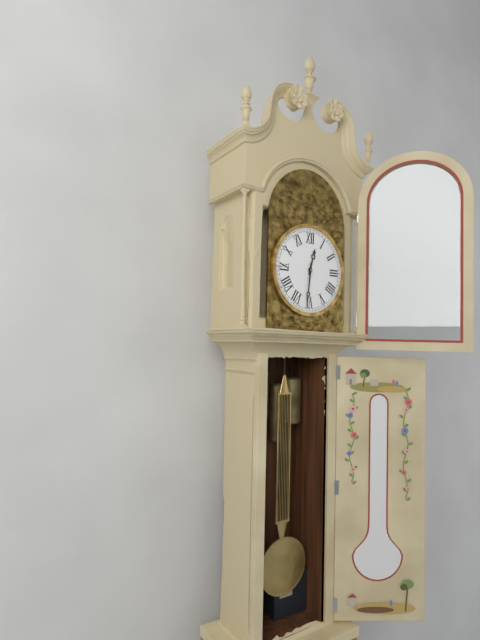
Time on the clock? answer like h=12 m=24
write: h=12 m=31
